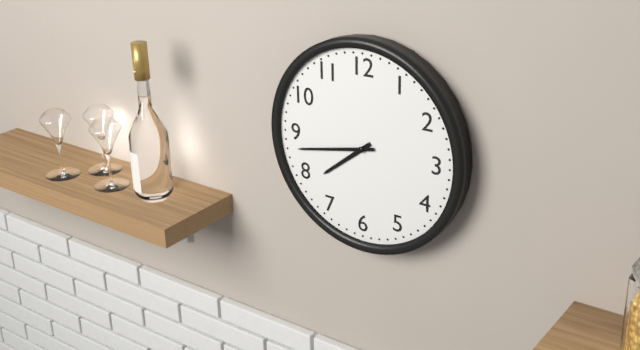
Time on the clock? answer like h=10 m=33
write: h=7 m=43
